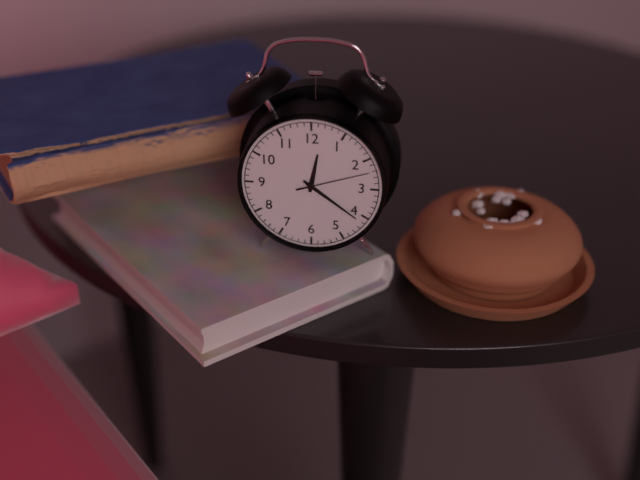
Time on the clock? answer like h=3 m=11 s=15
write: h=12 m=21 s=12
